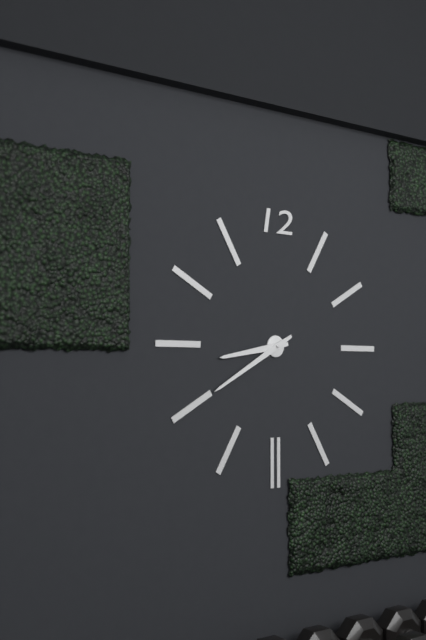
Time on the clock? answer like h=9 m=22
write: h=8 m=40
